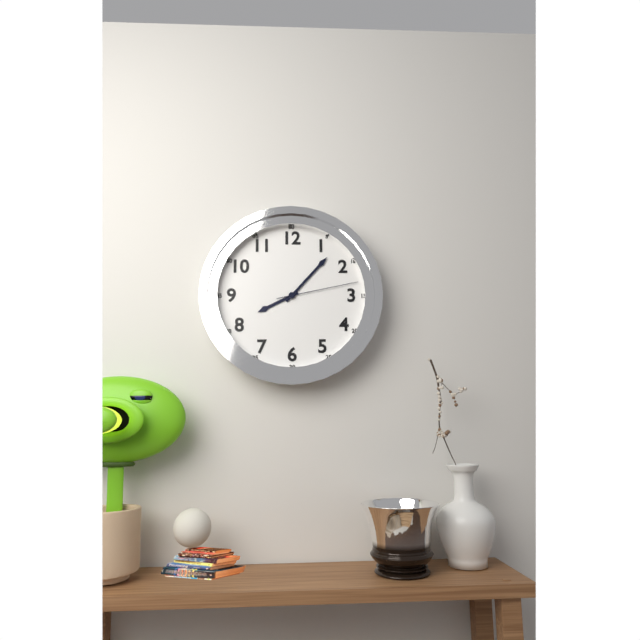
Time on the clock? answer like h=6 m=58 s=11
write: h=8 m=7 s=13
